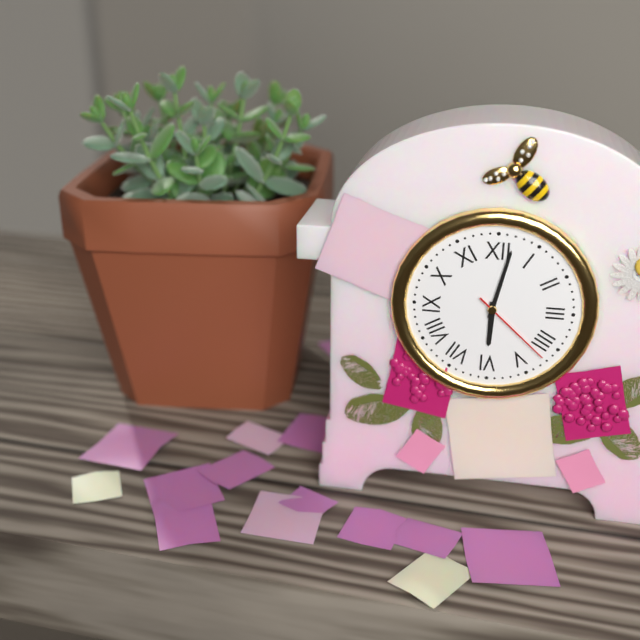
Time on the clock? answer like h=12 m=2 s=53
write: h=6 m=2 s=22
